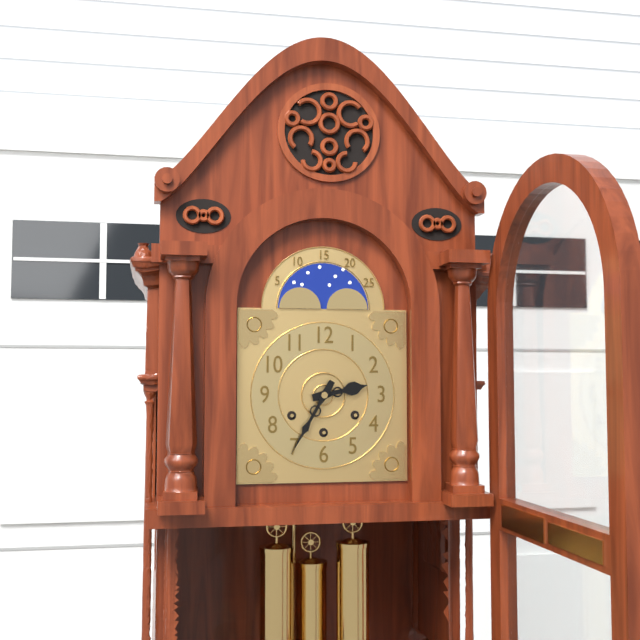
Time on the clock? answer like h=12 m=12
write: h=2 m=35
